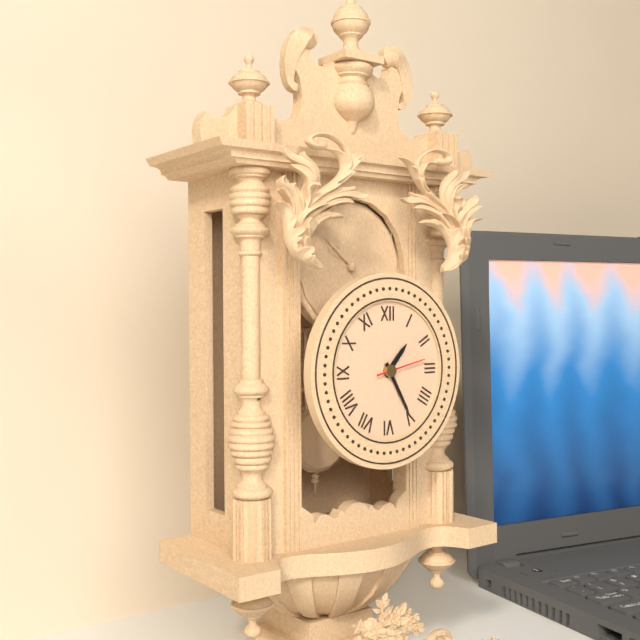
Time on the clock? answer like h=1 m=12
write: h=1 m=25
